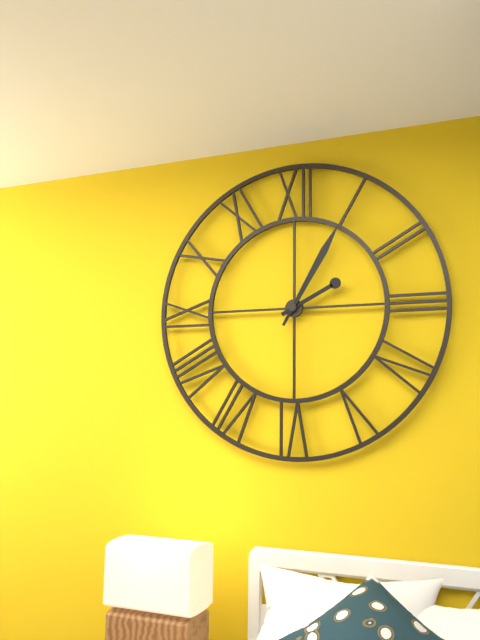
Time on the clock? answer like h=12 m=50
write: h=2 m=5
